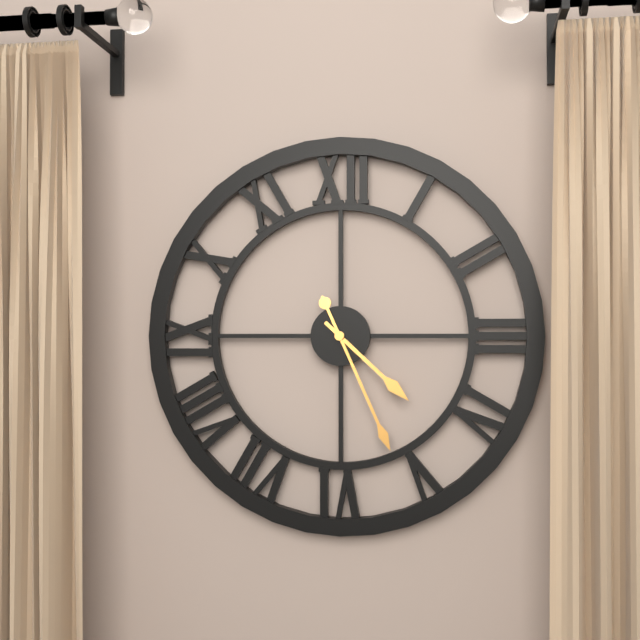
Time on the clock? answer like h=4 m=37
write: h=4 m=26
